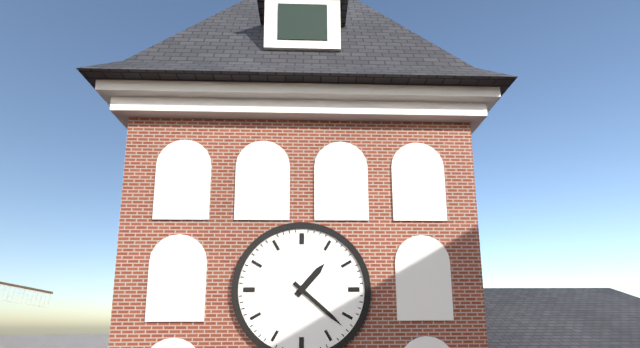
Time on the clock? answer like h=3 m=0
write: h=1 m=22
